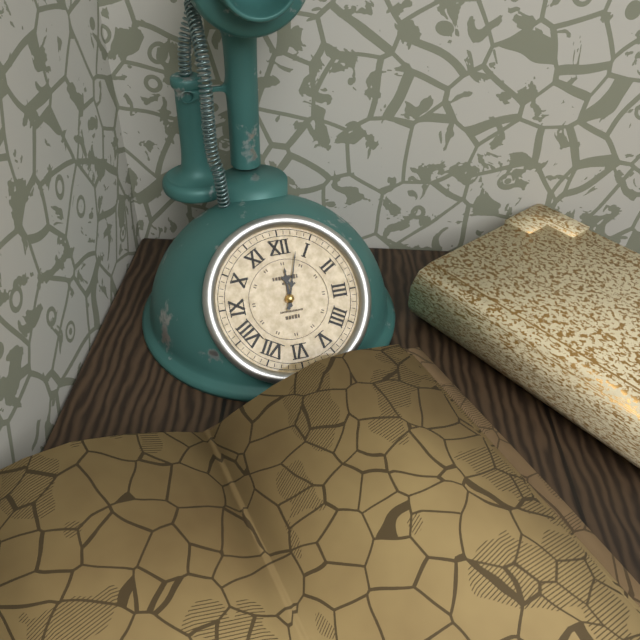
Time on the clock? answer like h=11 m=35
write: h=12 m=3
